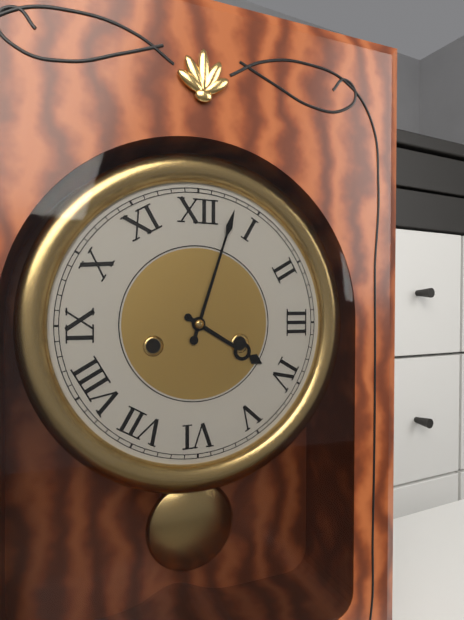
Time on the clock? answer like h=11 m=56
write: h=4 m=3
